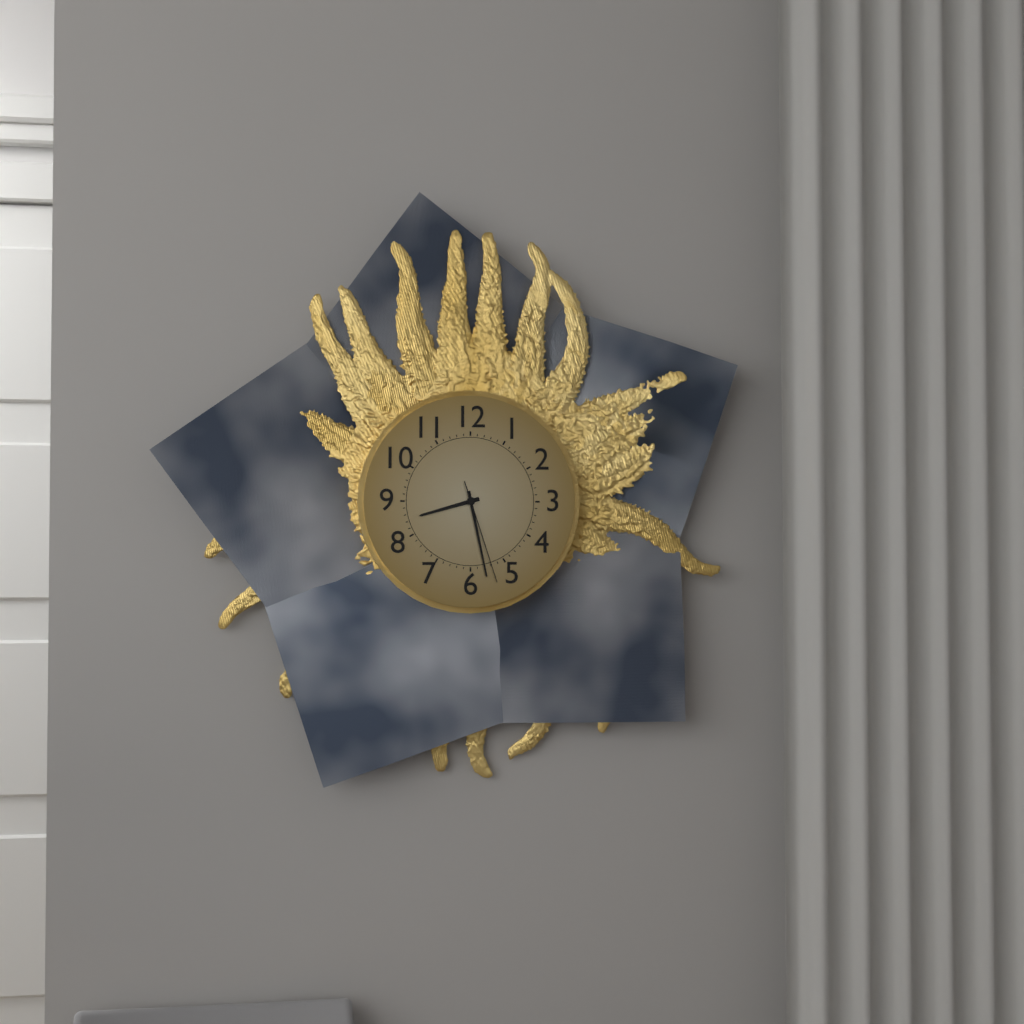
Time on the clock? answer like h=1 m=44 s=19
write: h=8 m=28 s=27
